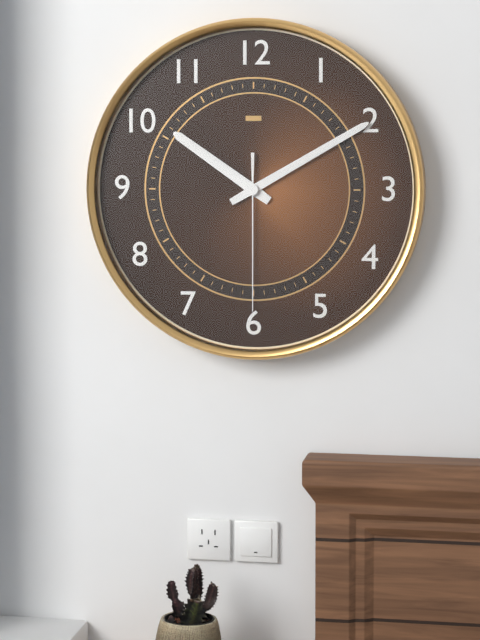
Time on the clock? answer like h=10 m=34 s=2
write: h=10 m=10 s=30
